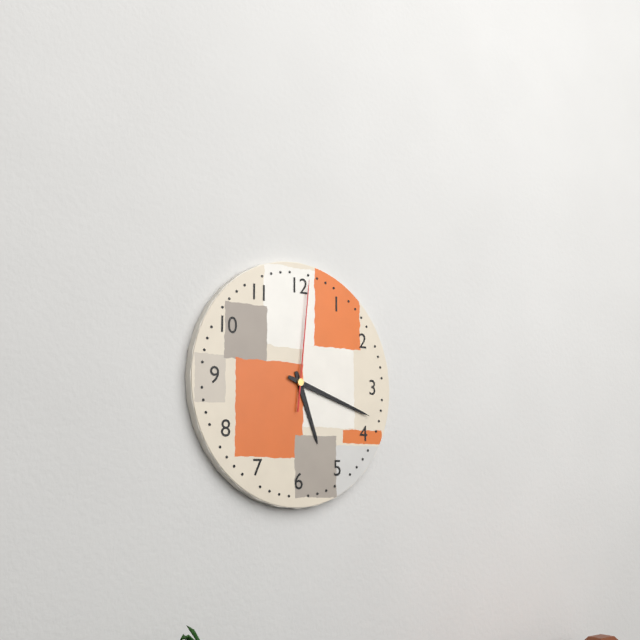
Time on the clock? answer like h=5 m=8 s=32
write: h=5 m=18 s=1
